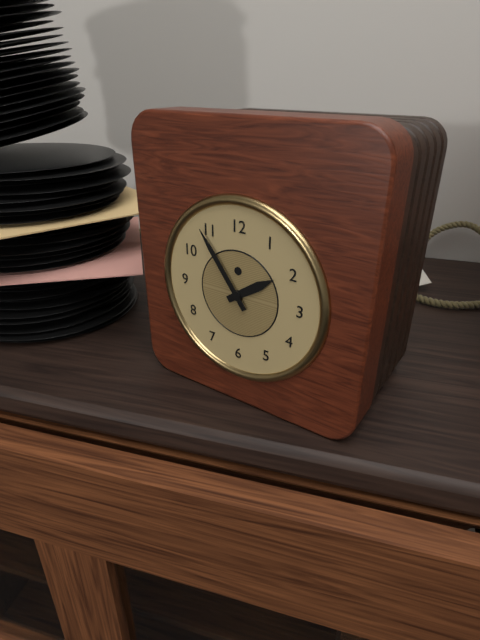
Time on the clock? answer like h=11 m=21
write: h=1 m=54
